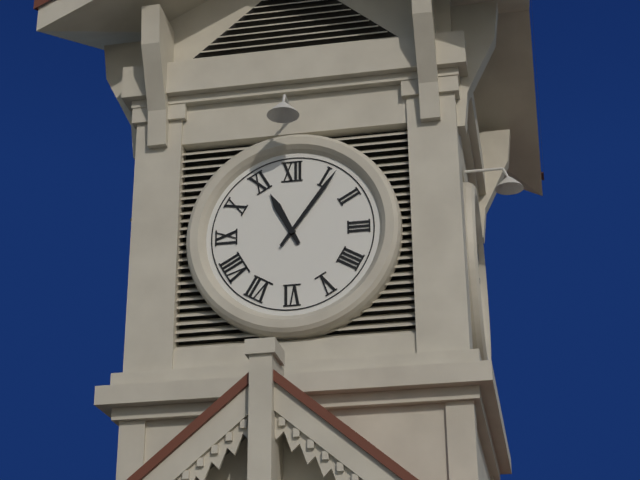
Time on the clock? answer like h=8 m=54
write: h=11 m=6
